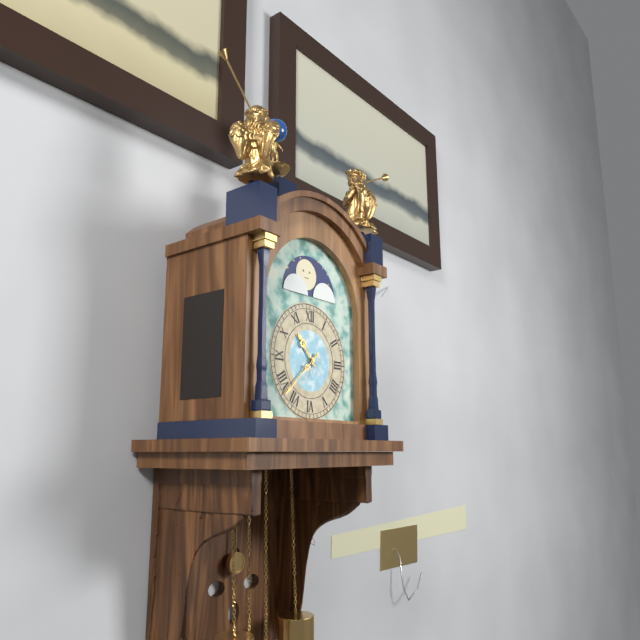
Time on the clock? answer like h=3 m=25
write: h=10 m=38
